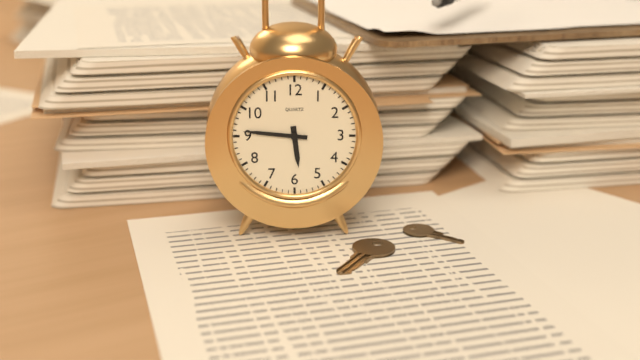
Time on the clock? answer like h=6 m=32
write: h=5 m=46
